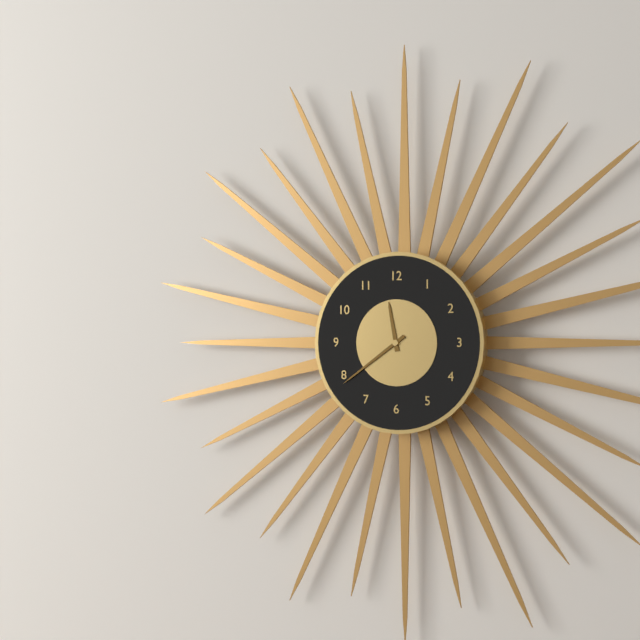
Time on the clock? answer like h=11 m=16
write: h=11 m=39
